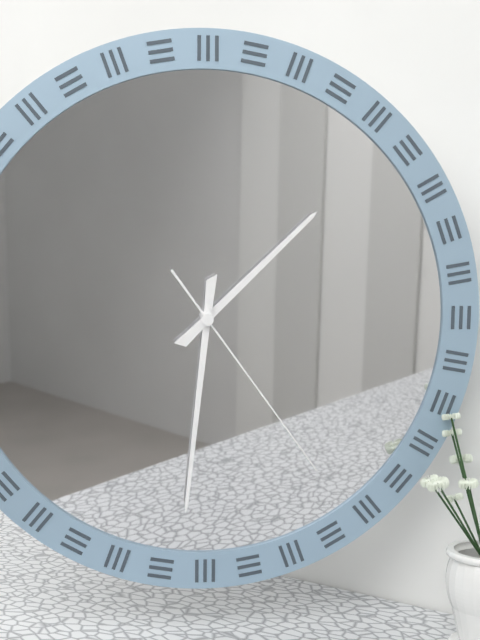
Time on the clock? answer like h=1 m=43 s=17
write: h=1 m=31 s=24
